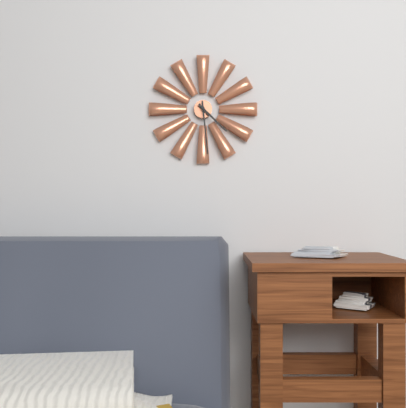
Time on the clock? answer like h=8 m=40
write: h=4 m=29
